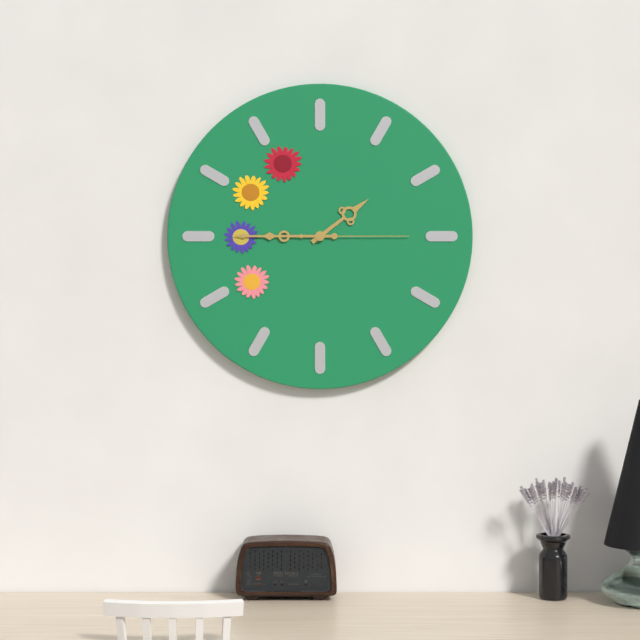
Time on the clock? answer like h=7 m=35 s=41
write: h=1 m=45 s=15
